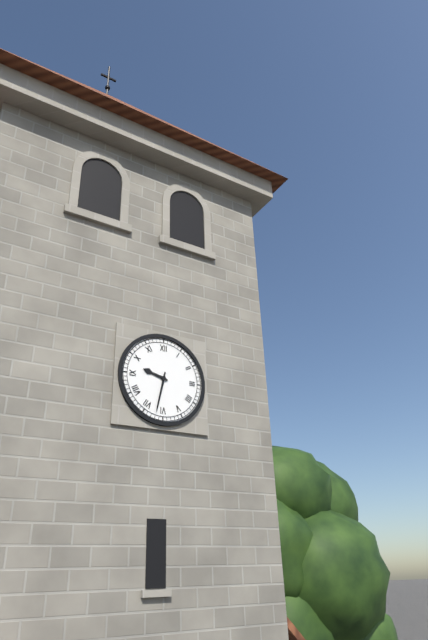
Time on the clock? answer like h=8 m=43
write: h=9 m=32
